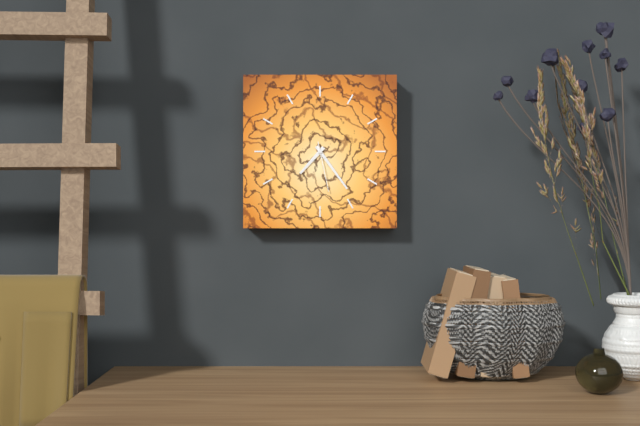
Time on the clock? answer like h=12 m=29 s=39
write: h=7 m=24 s=28
